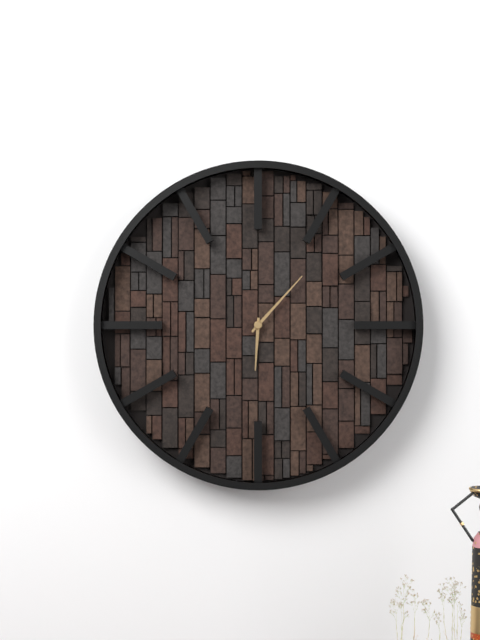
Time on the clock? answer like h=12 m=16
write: h=6 m=7
